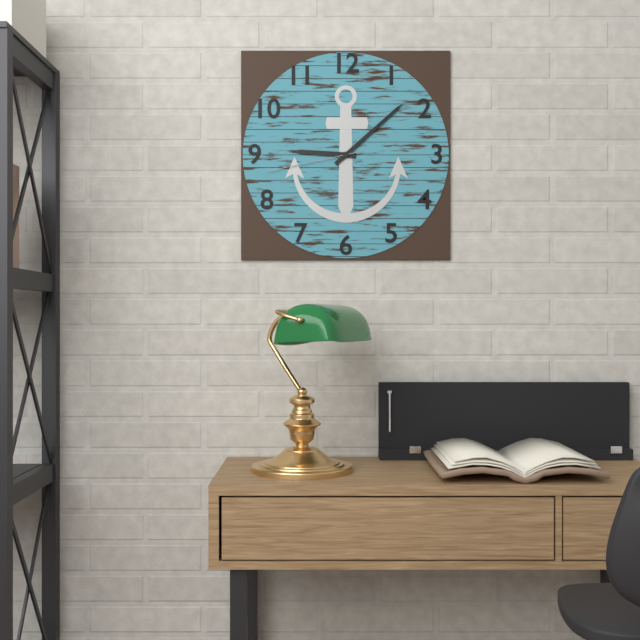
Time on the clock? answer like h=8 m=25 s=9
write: h=9 m=8 s=43
